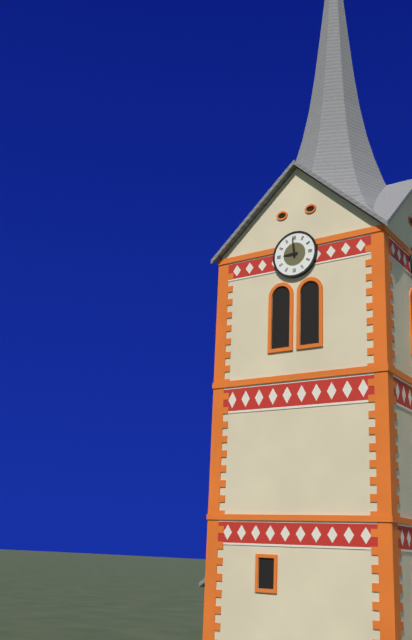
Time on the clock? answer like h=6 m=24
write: h=8 m=59
